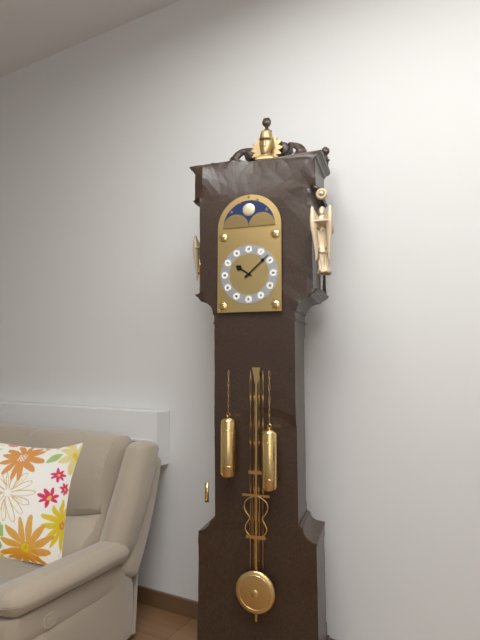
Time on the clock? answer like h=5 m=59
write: h=10 m=8
